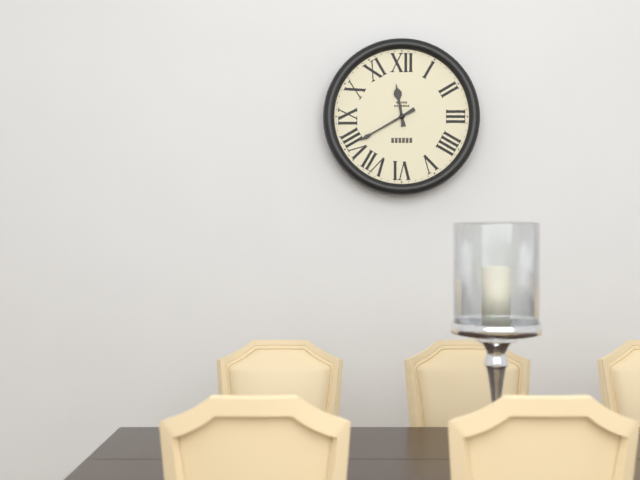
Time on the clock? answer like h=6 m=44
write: h=11 m=40
